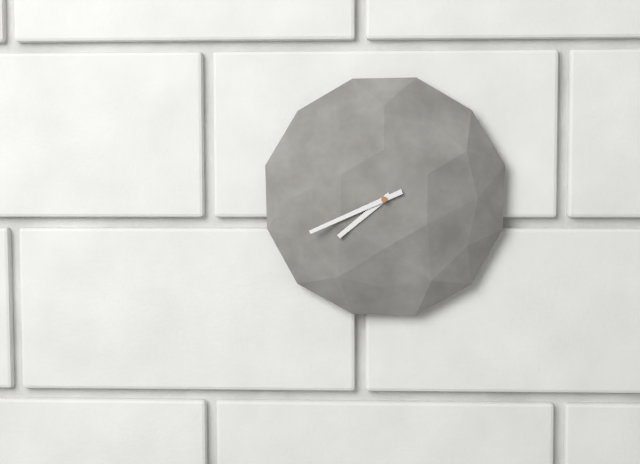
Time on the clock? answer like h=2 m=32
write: h=7 m=41
